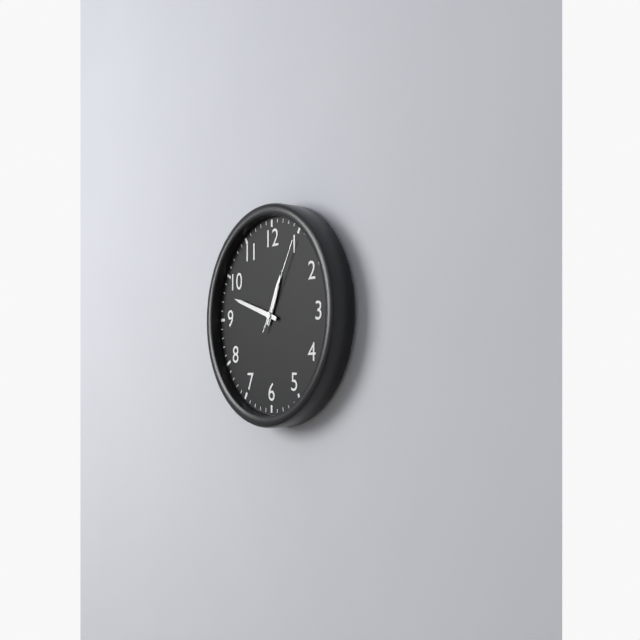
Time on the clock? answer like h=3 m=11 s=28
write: h=12 m=48 s=5
